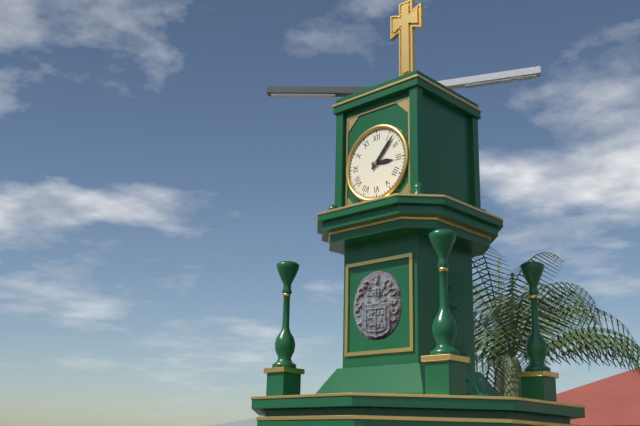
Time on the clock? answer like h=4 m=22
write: h=3 m=7
